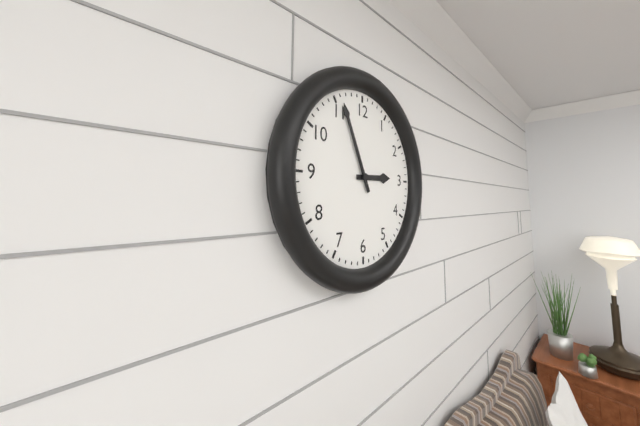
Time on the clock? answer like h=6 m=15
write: h=2 m=56
